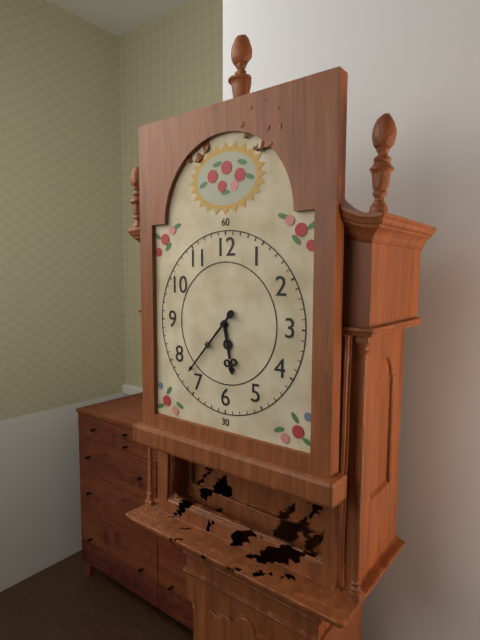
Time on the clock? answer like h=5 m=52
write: h=5 m=37
